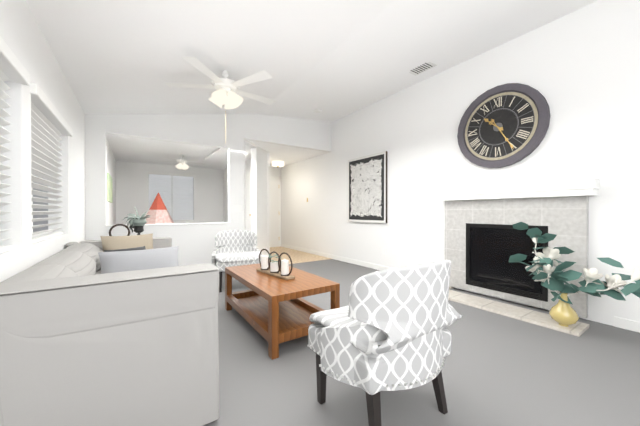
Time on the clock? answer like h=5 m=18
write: h=10 m=25
